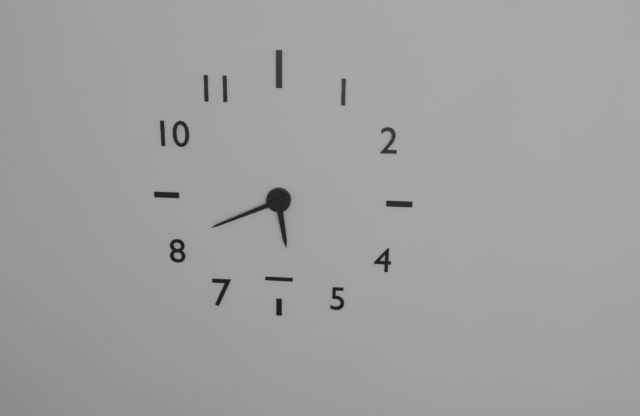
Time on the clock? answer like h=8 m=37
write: h=5 m=41
